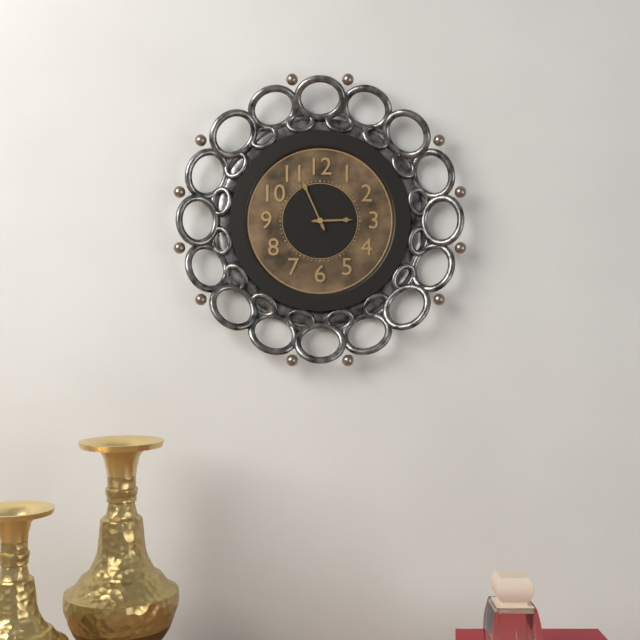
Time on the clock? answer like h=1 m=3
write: h=2 m=56
